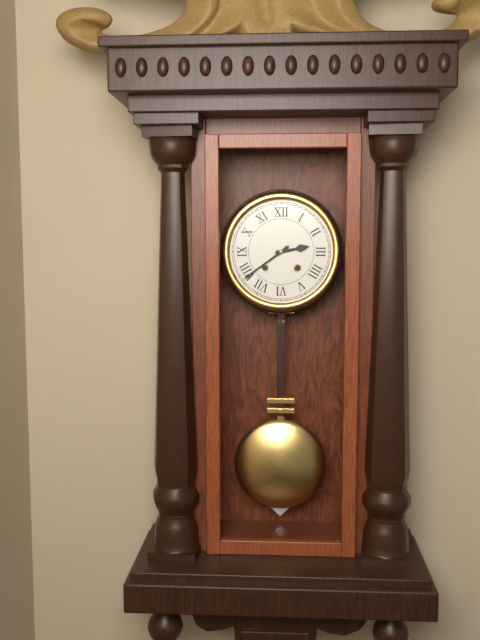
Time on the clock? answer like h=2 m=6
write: h=2 m=39
